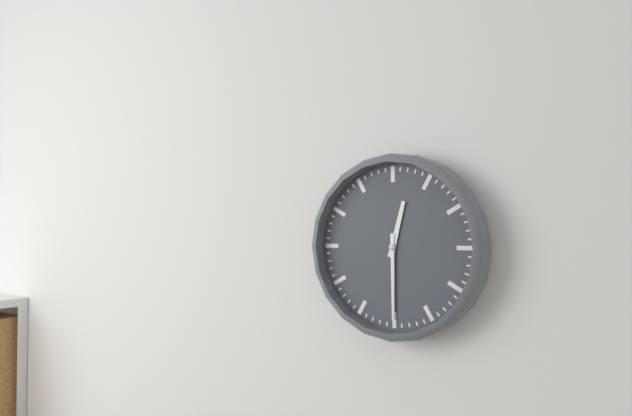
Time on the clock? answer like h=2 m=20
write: h=12 m=30
